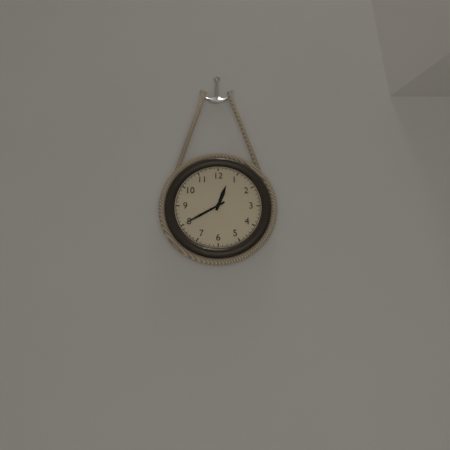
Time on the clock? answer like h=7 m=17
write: h=12 m=40
